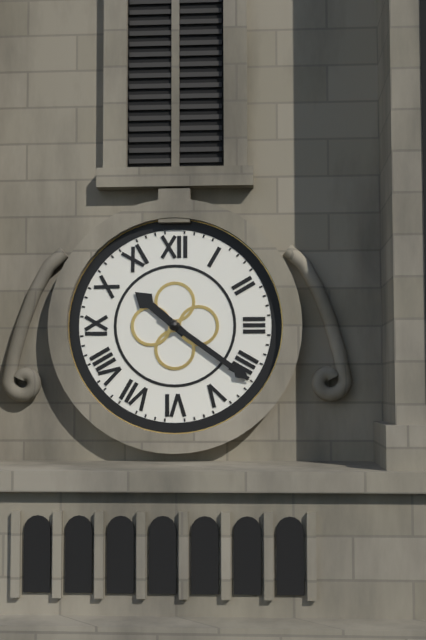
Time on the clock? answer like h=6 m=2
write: h=10 m=21
